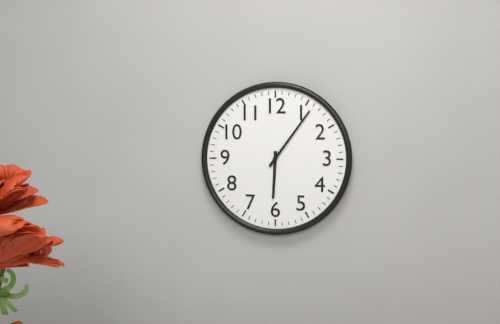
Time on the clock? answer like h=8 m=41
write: h=6 m=6
